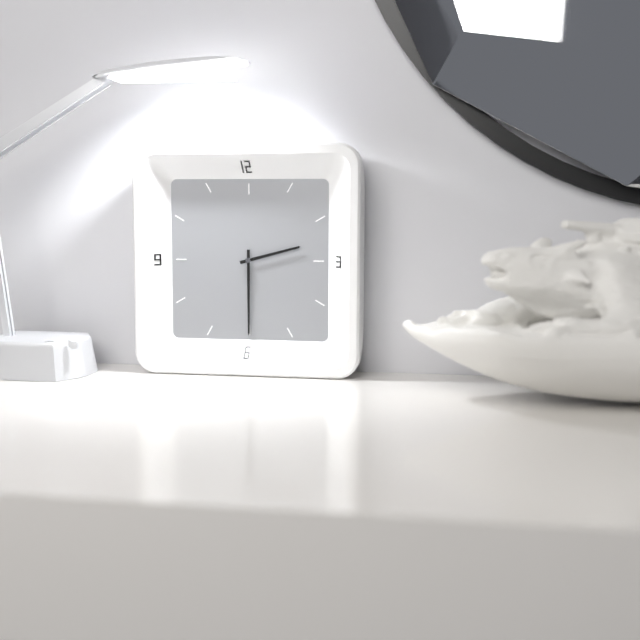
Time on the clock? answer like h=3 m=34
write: h=2 m=30
